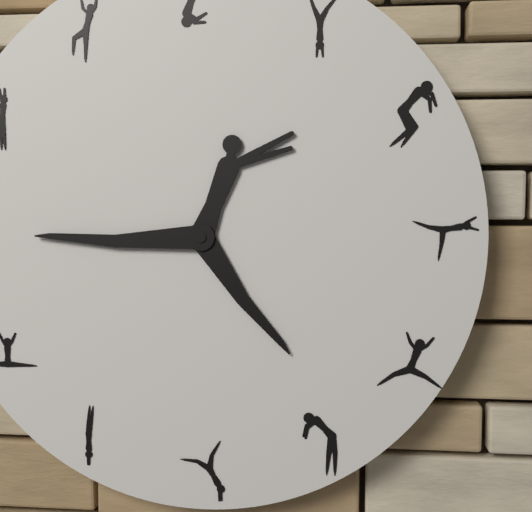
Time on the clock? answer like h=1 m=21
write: h=4 m=45
